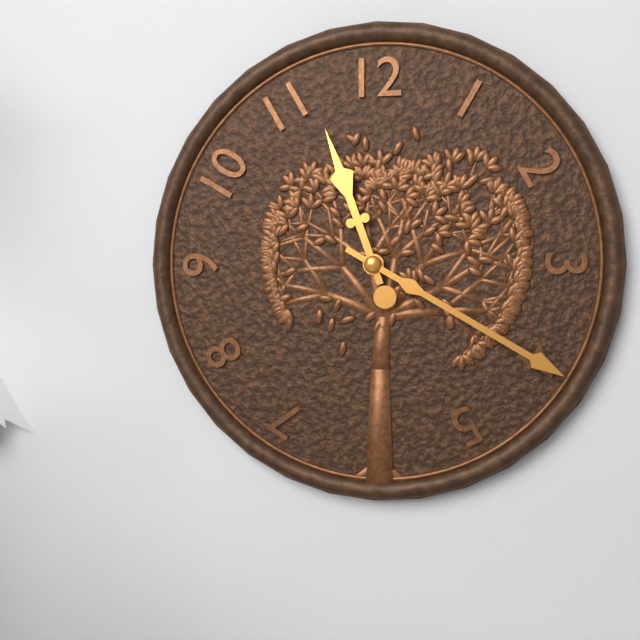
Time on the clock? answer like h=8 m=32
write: h=11 m=20
